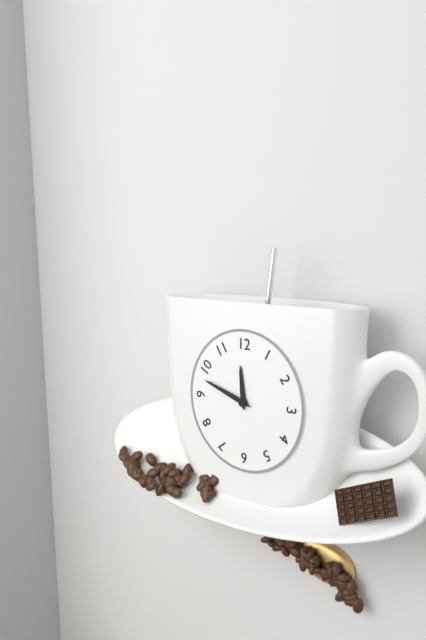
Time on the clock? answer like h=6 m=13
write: h=11 m=48
